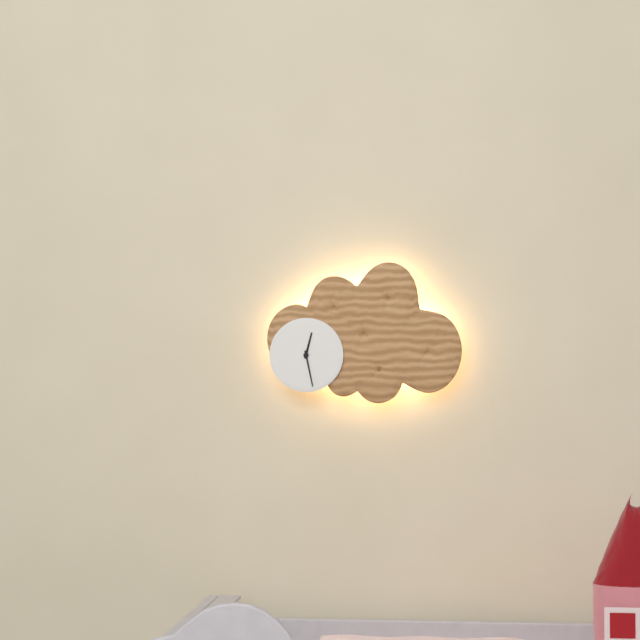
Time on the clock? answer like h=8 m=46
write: h=12 m=28
